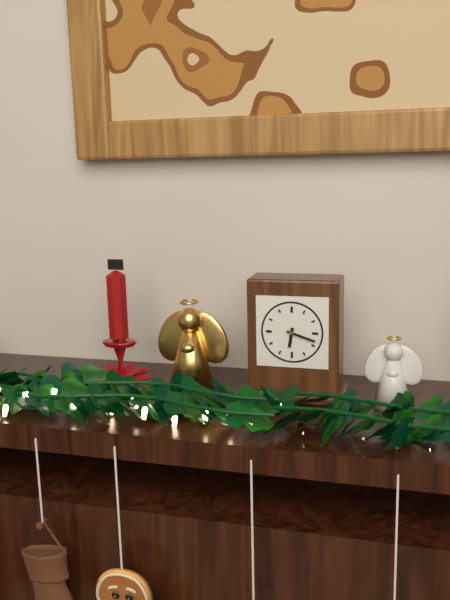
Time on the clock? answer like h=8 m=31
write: h=6 m=18
